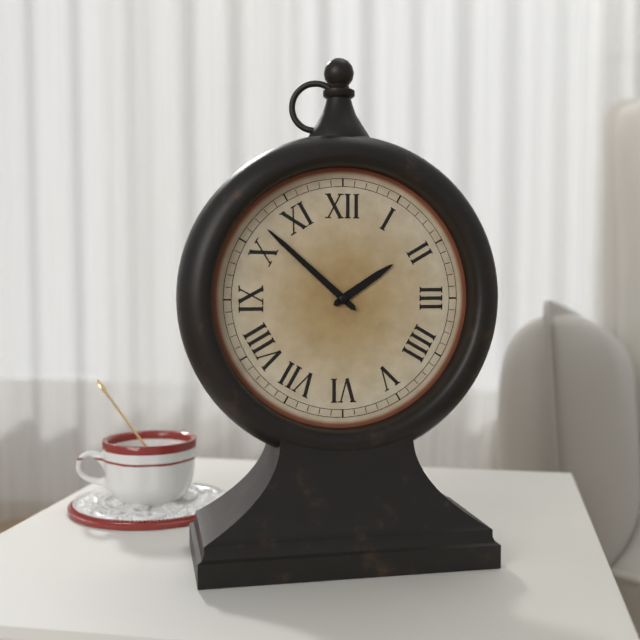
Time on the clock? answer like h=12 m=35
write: h=1 m=52
